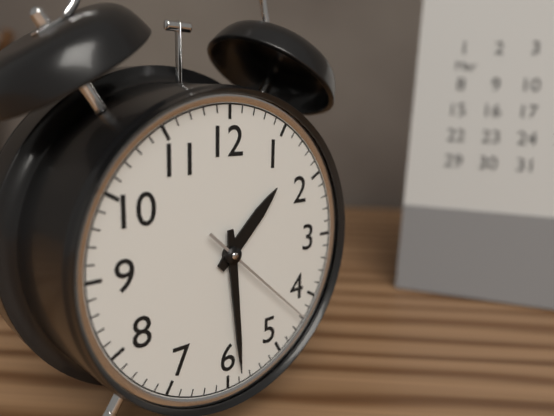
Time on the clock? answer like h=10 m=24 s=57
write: h=1 m=29 s=22
